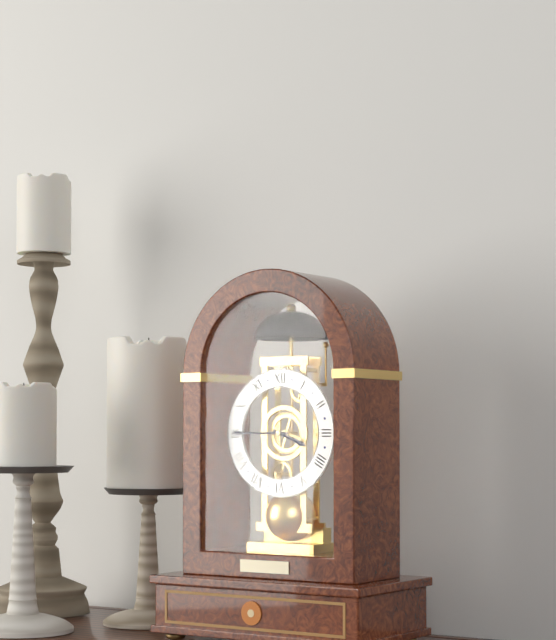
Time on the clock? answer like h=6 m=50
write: h=3 m=45
